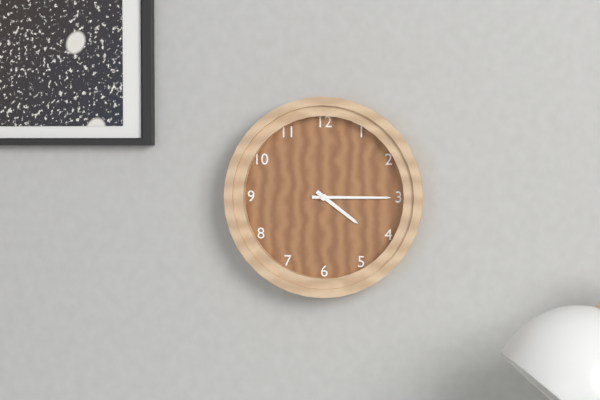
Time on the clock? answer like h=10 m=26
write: h=4 m=15
